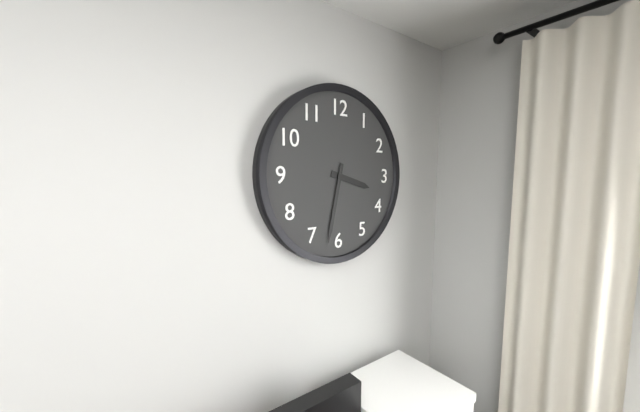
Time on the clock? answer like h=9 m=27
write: h=3 m=32
